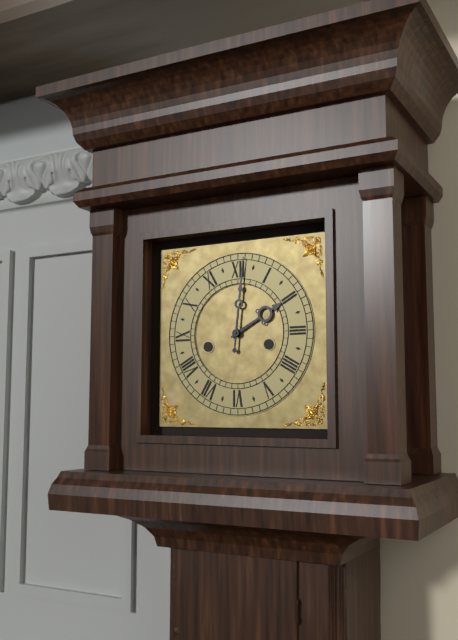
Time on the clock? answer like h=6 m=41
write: h=2 m=1
